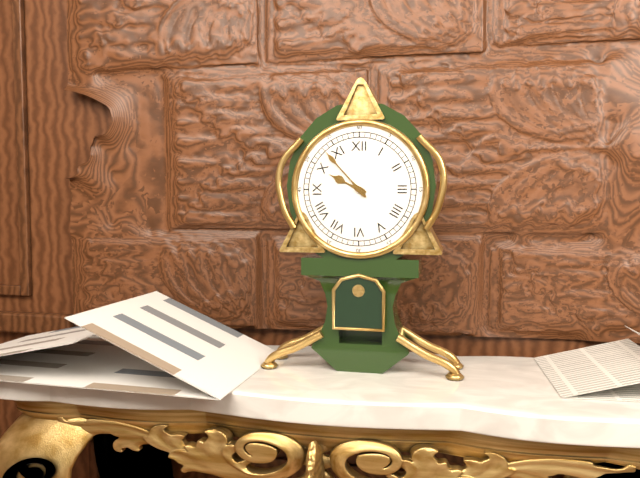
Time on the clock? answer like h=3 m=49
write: h=9 m=53
